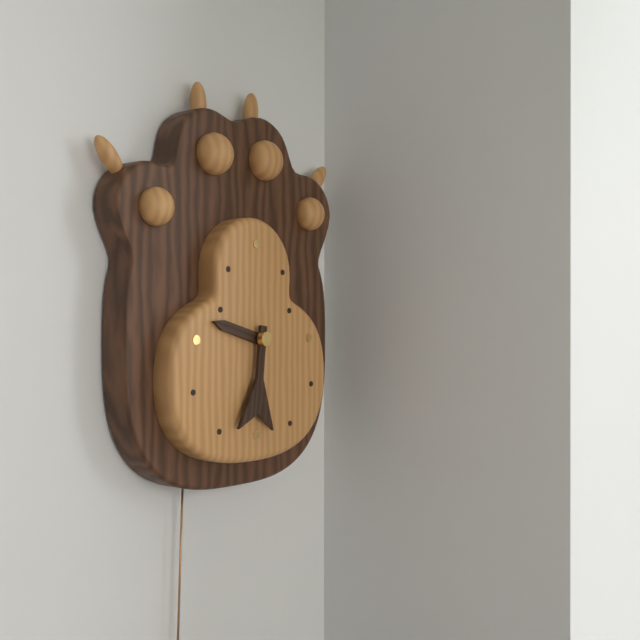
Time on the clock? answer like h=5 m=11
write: h=9 m=31
